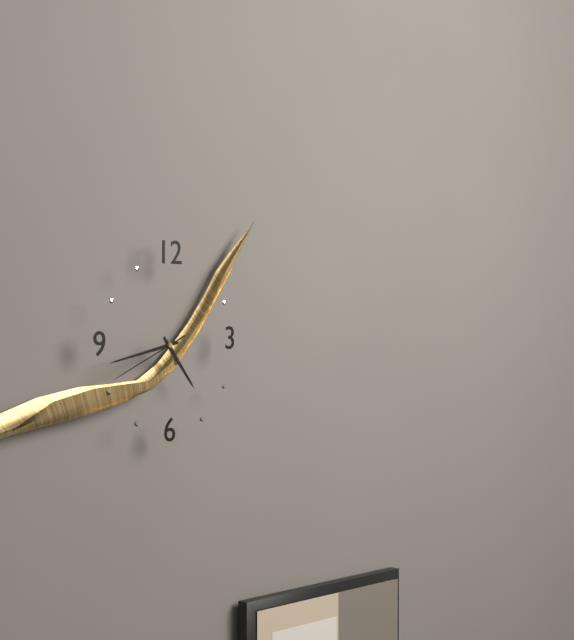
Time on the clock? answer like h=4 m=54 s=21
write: h=4 m=43 s=41
